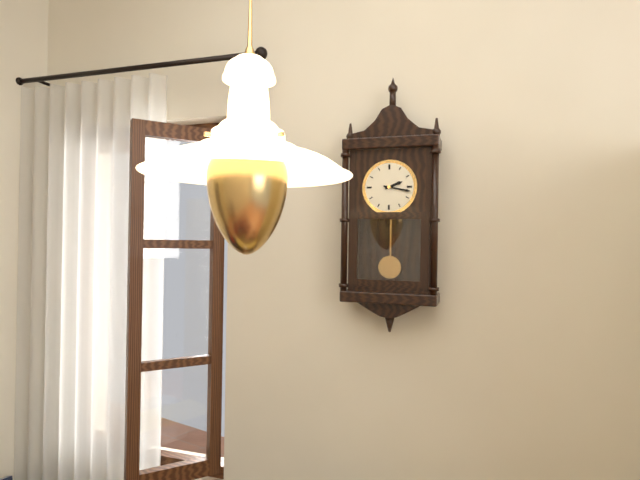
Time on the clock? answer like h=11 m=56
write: h=2 m=17
